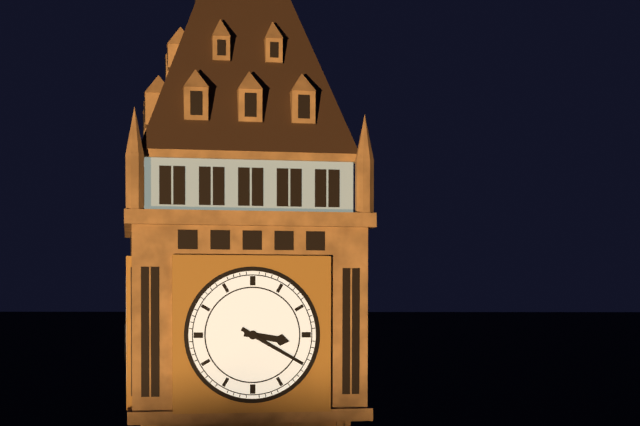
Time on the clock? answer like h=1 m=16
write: h=3 m=20
